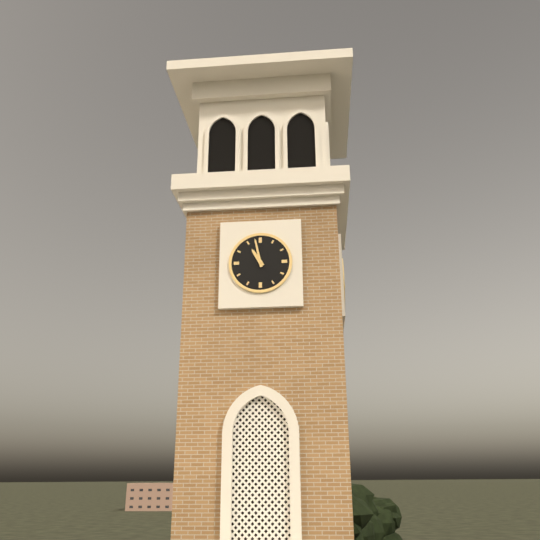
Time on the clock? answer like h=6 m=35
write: h=10 m=58
